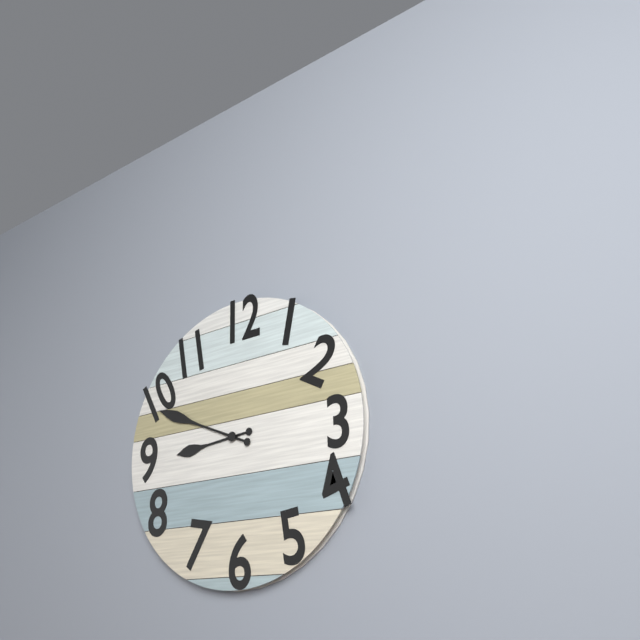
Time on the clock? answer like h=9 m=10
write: h=8 m=49
